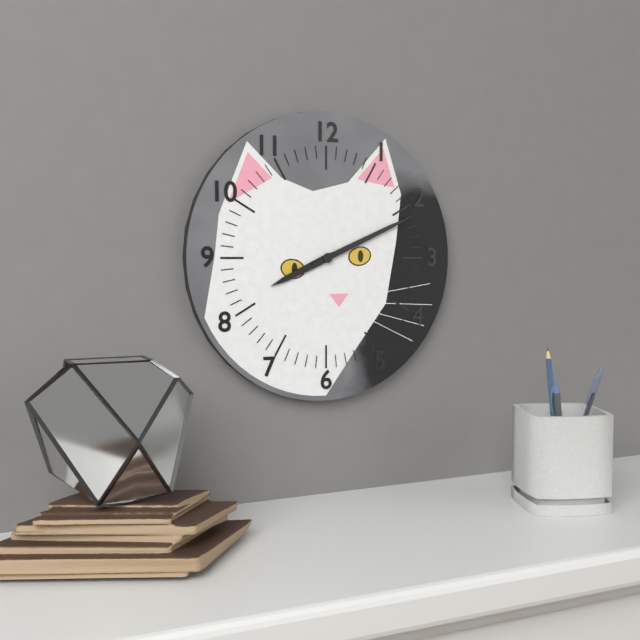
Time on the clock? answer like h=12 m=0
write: h=8 m=11
